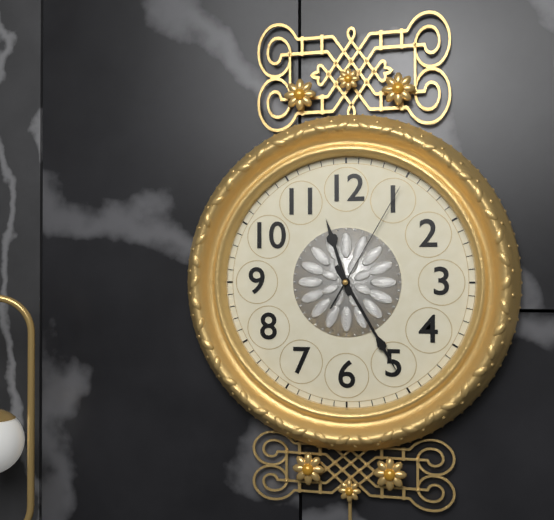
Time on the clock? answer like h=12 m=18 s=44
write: h=11 m=25 s=5
